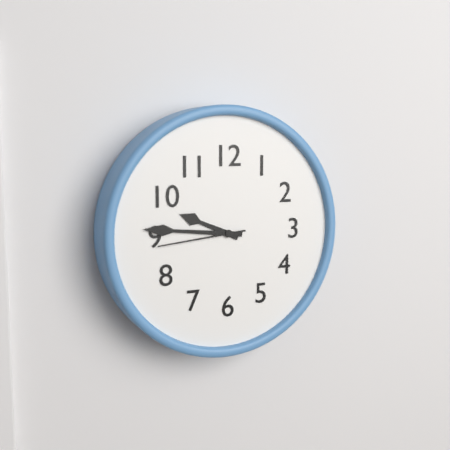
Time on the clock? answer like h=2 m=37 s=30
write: h=9 m=46 s=44
